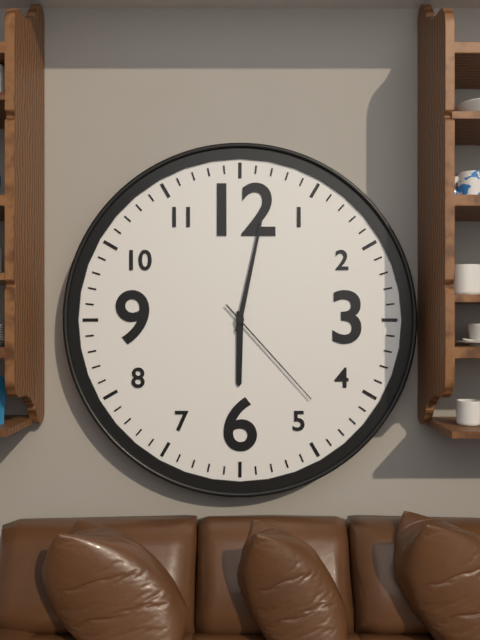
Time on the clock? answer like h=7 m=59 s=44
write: h=6 m=2 s=23
